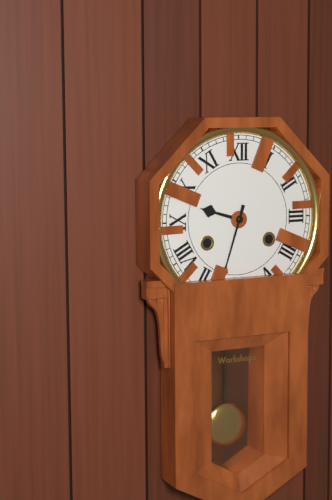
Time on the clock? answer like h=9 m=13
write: h=9 m=33
